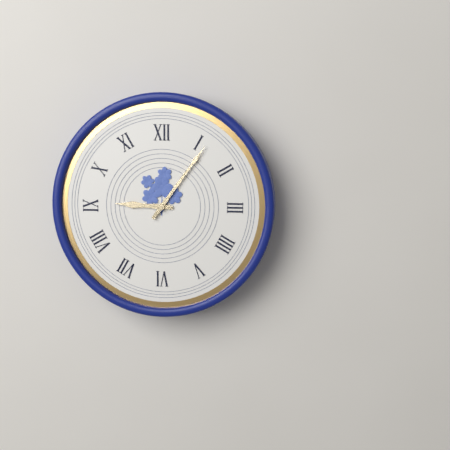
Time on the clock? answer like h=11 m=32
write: h=9 m=6
